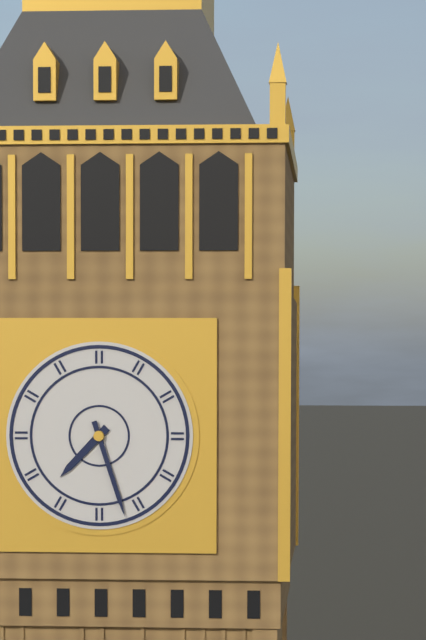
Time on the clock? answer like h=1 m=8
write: h=7 m=27
